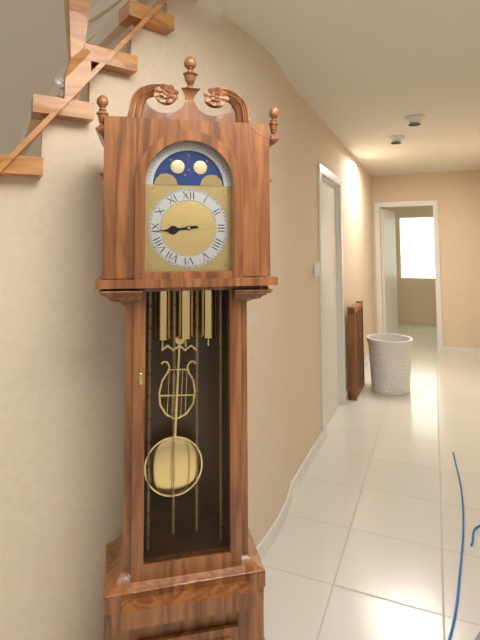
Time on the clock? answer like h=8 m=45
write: h=8 m=44
